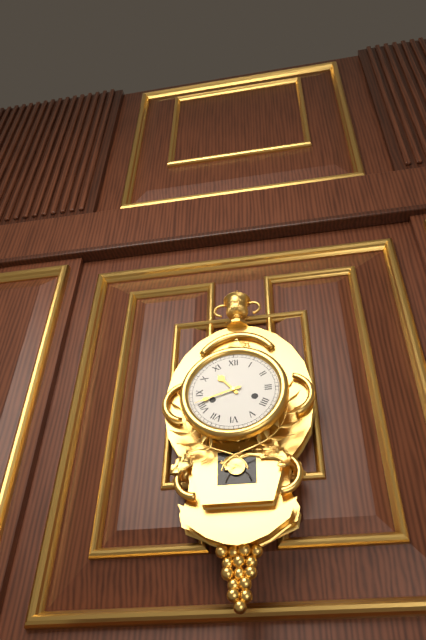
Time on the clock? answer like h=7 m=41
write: h=10 m=42
